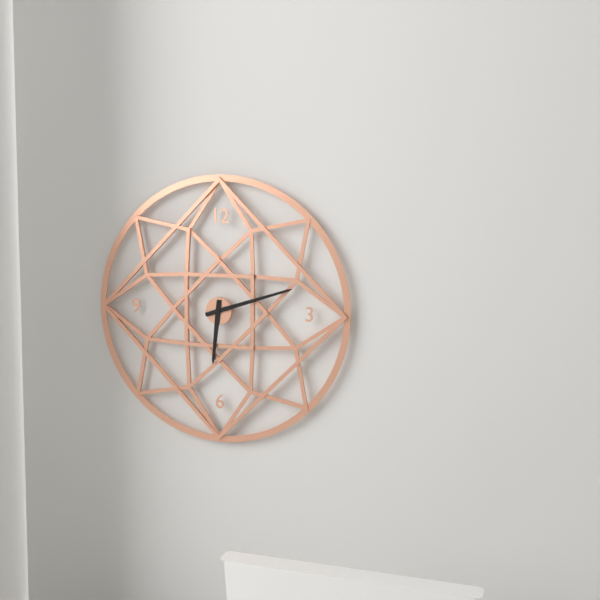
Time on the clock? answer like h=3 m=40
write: h=6 m=12
